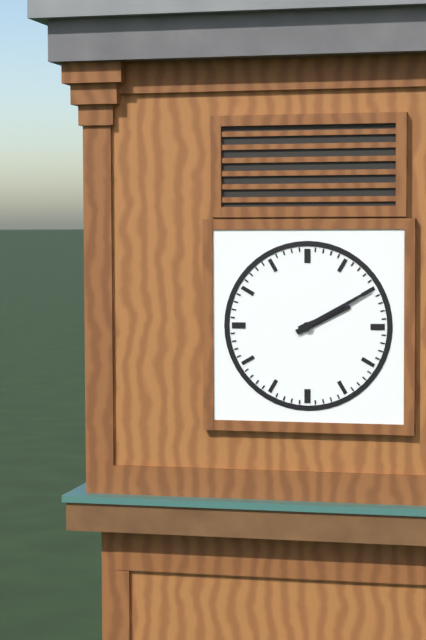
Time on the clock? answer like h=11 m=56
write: h=2 m=10
